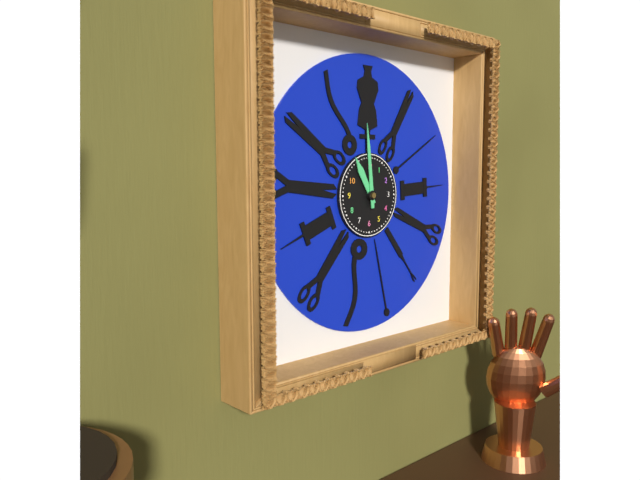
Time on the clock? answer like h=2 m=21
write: h=10 m=59
